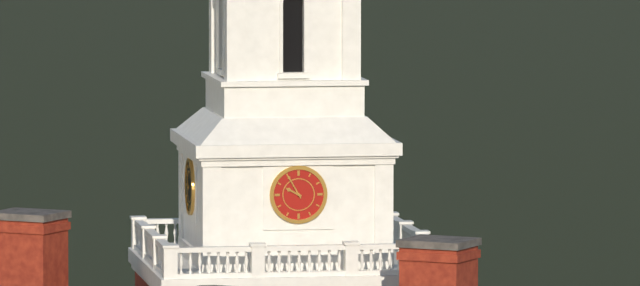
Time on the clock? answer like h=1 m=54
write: h=9 m=55
